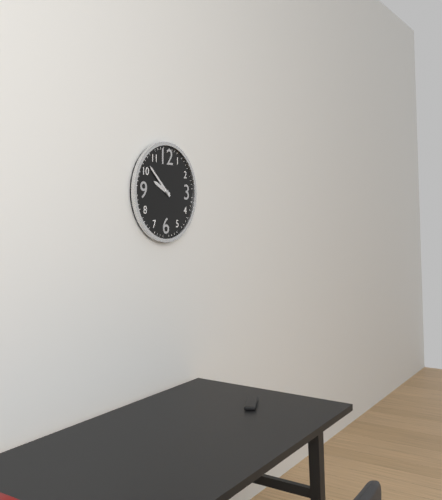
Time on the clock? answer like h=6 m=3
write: h=9 m=52
